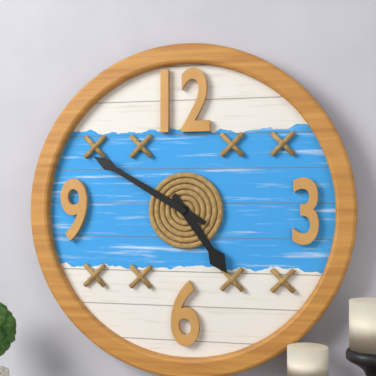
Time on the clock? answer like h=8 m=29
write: h=4 m=50
